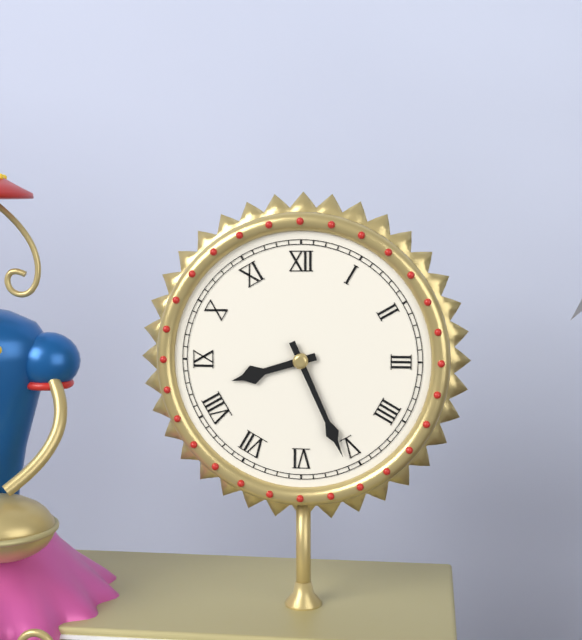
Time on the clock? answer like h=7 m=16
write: h=8 m=26
